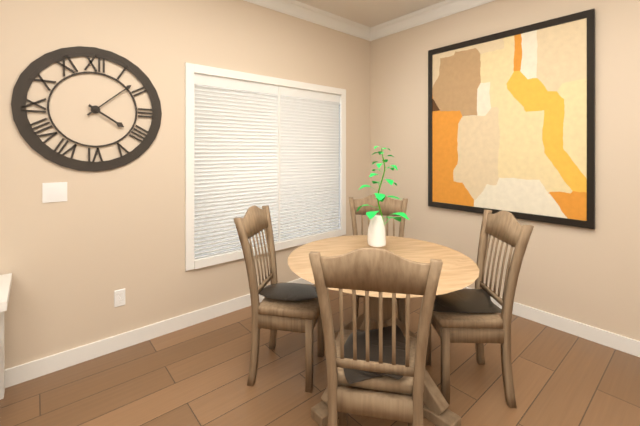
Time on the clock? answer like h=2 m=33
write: h=4 m=8
